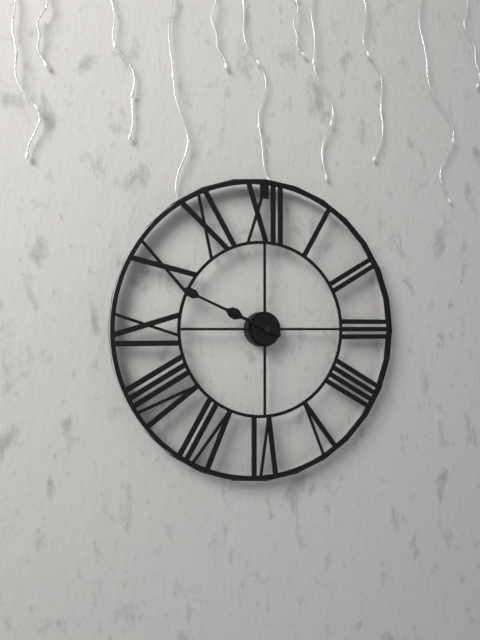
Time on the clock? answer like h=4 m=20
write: h=9 m=49
